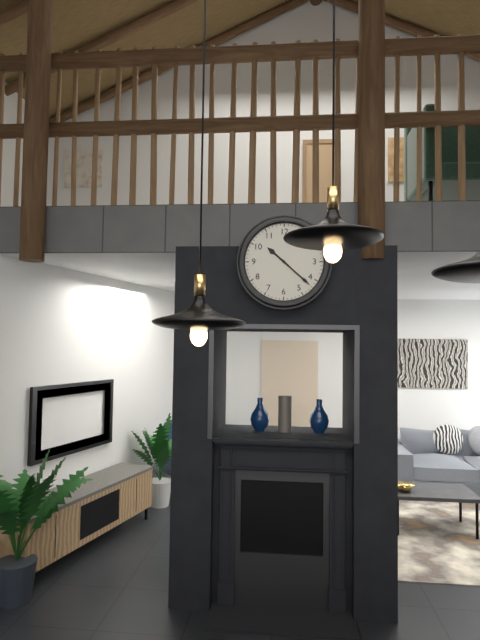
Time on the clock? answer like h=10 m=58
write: h=10 m=22
